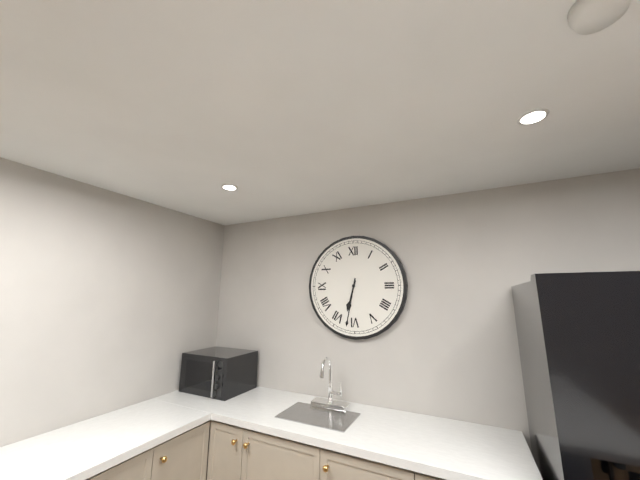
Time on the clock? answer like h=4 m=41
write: h=6 m=32
